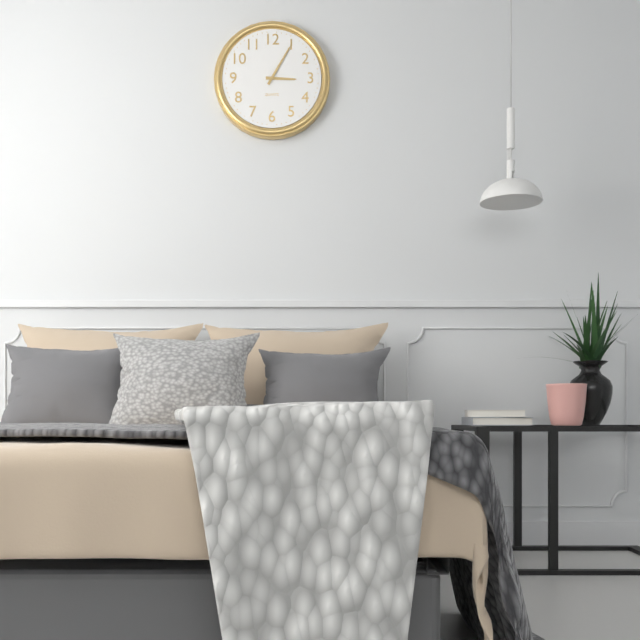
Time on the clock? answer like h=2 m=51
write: h=3 m=5
